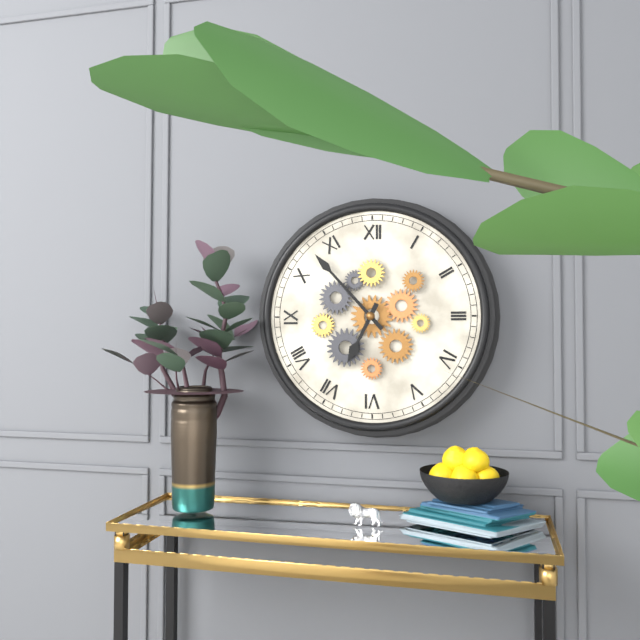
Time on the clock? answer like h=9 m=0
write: h=6 m=53
